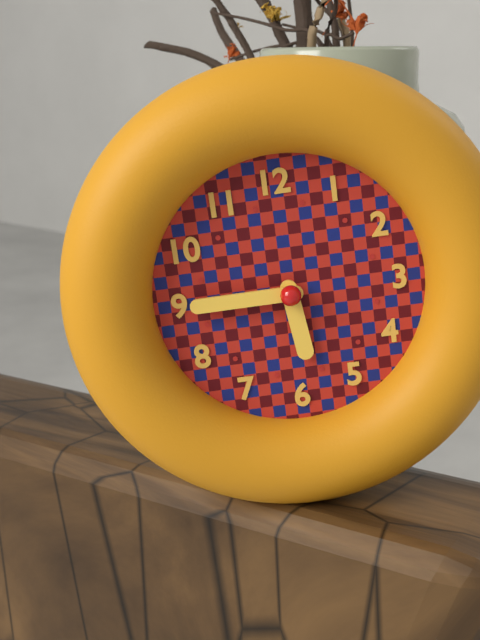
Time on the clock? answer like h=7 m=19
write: h=5 m=45
